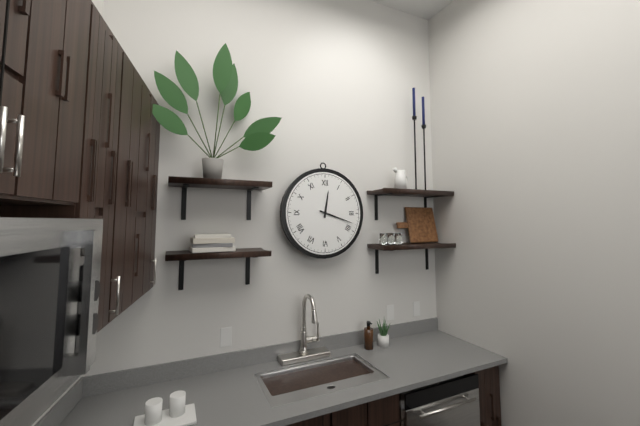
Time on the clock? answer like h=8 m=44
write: h=12 m=18
